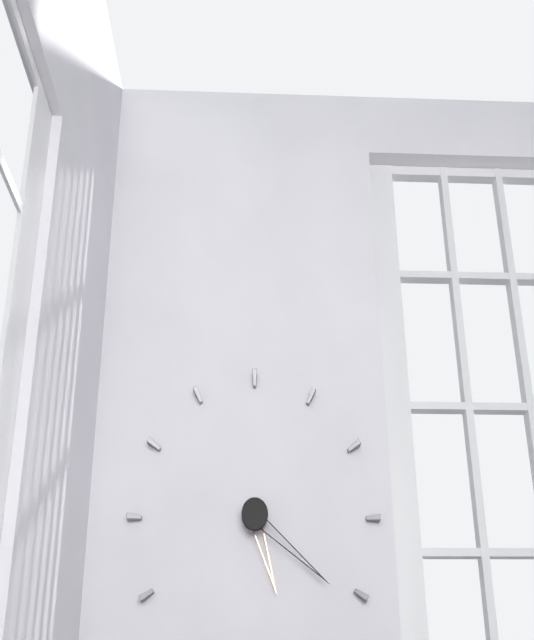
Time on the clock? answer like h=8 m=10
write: h=5 m=21
